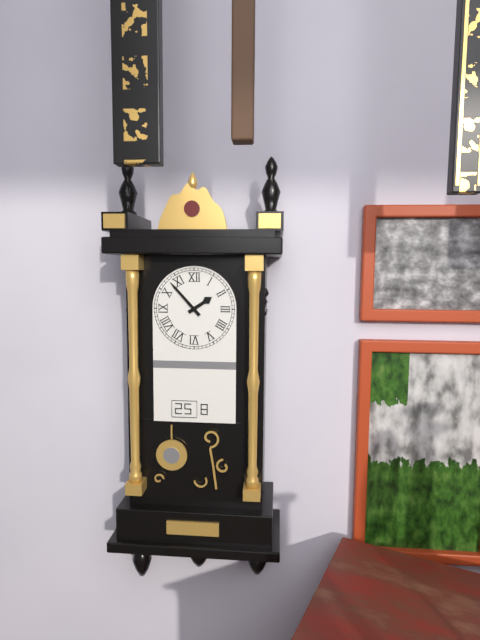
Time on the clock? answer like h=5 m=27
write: h=1 m=53
